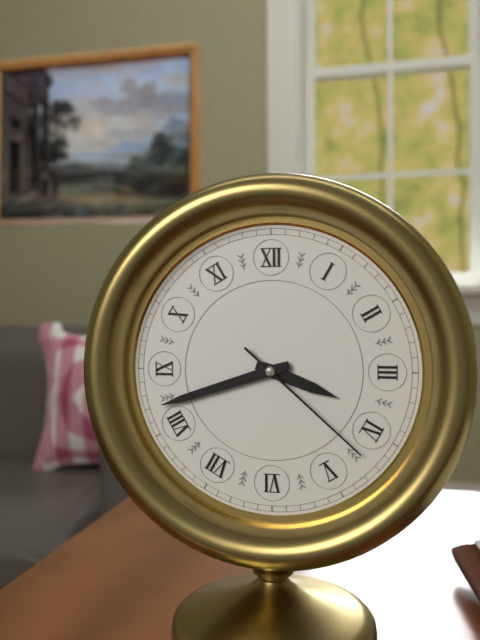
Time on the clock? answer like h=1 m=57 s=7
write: h=3 m=42 s=22
